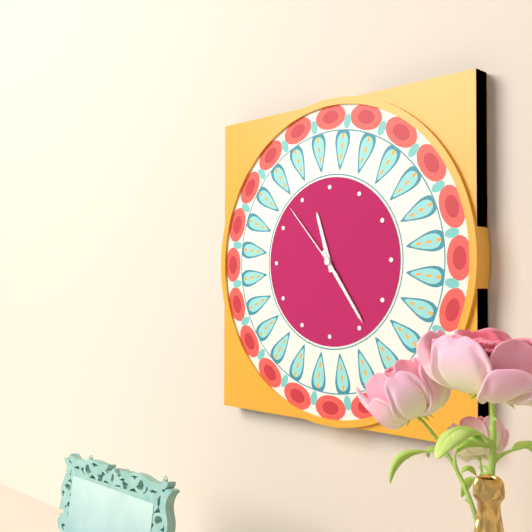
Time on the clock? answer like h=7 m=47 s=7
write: h=11 m=24 s=53
